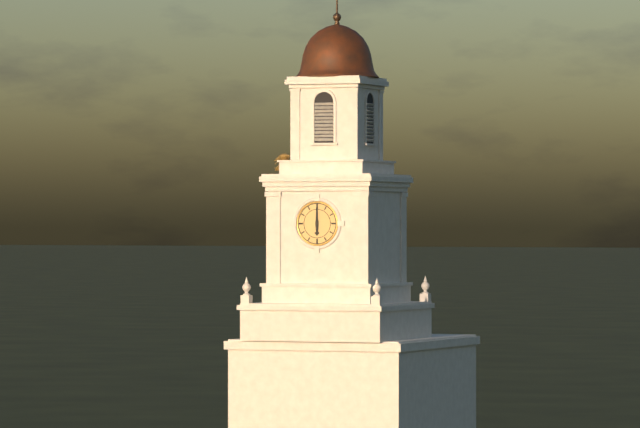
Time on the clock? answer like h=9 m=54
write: h=6 m=0
